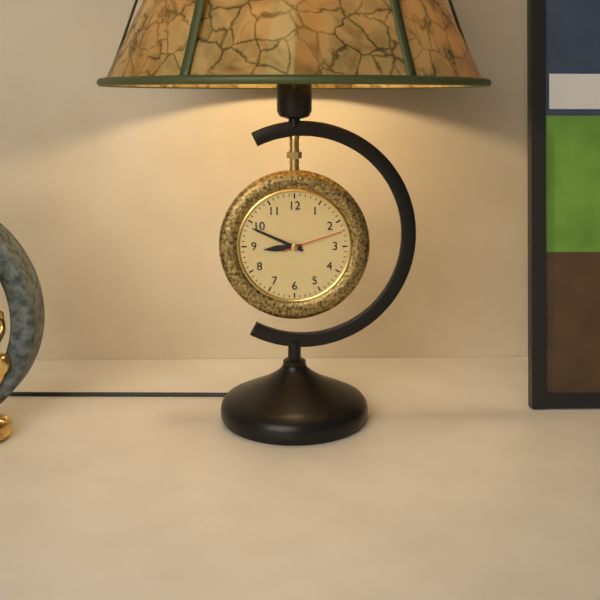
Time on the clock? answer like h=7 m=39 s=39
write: h=8 m=49 s=12
